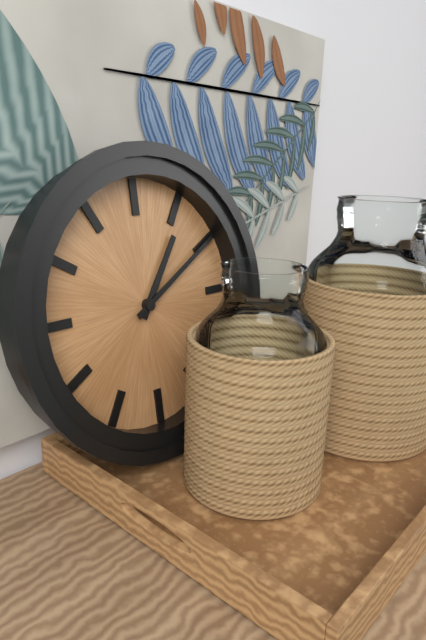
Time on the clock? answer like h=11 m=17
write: h=1 m=10
